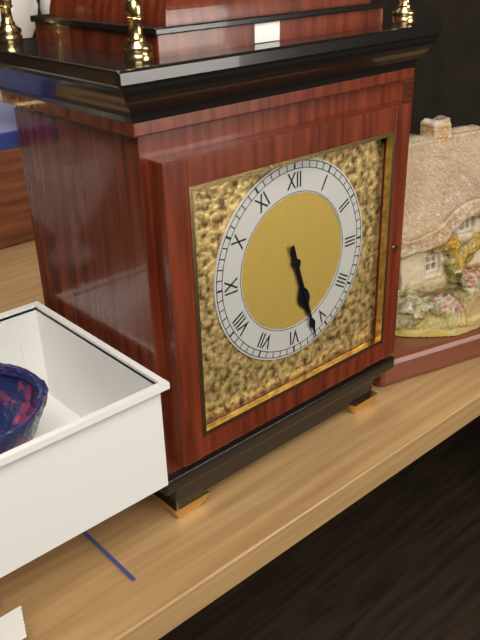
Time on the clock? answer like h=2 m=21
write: h=5 m=27
